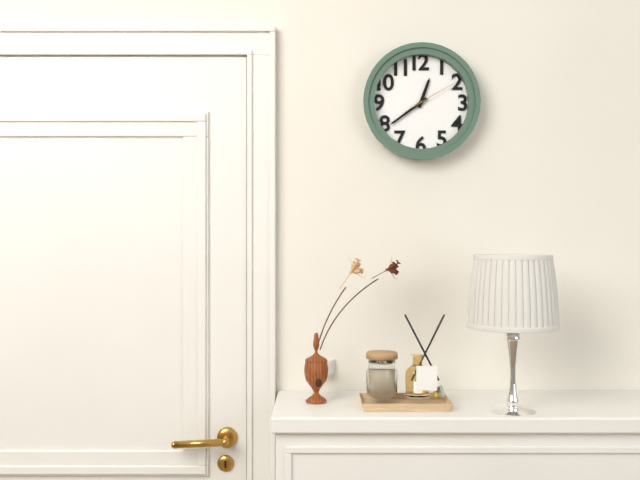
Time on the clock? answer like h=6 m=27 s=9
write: h=12 m=39 s=10
